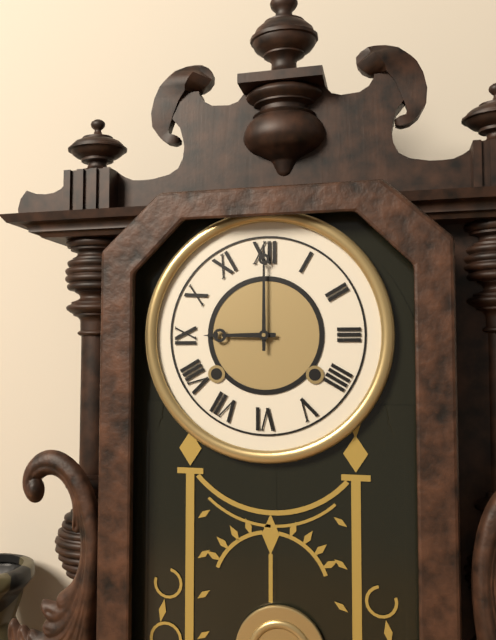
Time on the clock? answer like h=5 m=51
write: h=9 m=0
